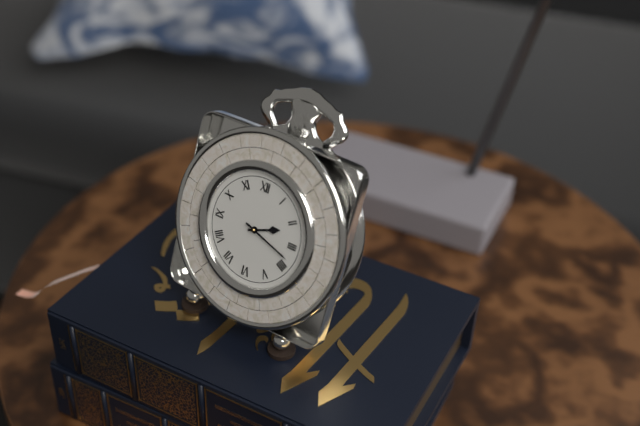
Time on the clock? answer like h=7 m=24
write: h=2 m=18
